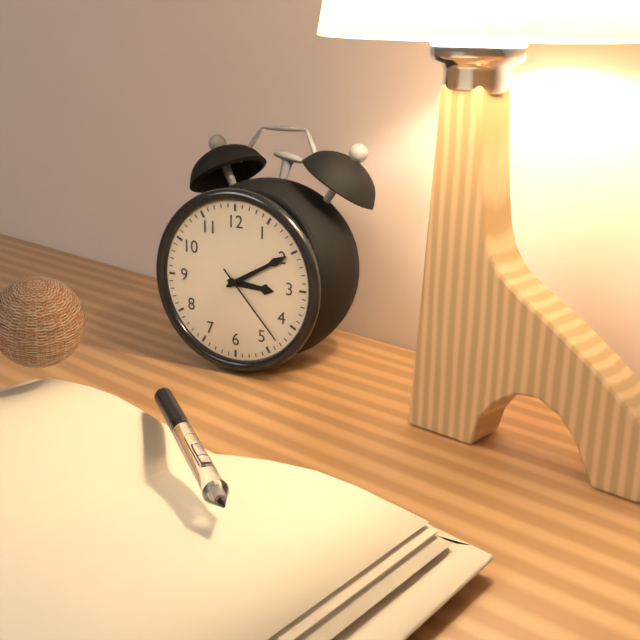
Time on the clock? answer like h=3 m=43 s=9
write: h=3 m=10 s=23
